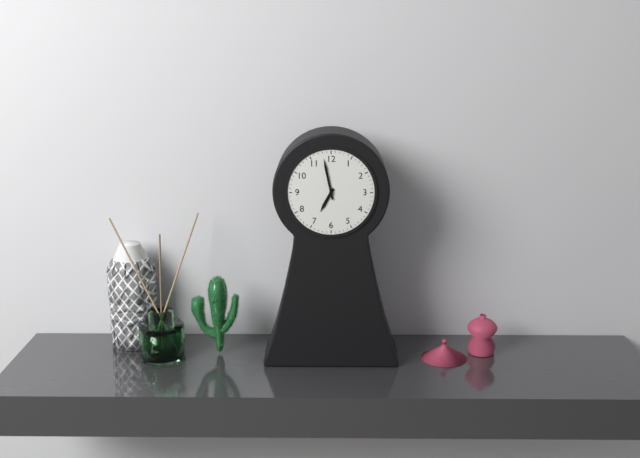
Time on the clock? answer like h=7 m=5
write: h=6 m=58
